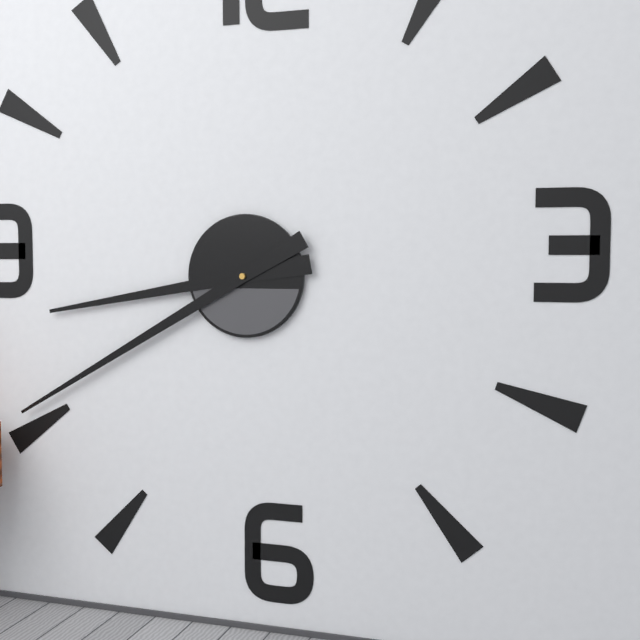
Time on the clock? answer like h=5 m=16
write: h=8 m=40
